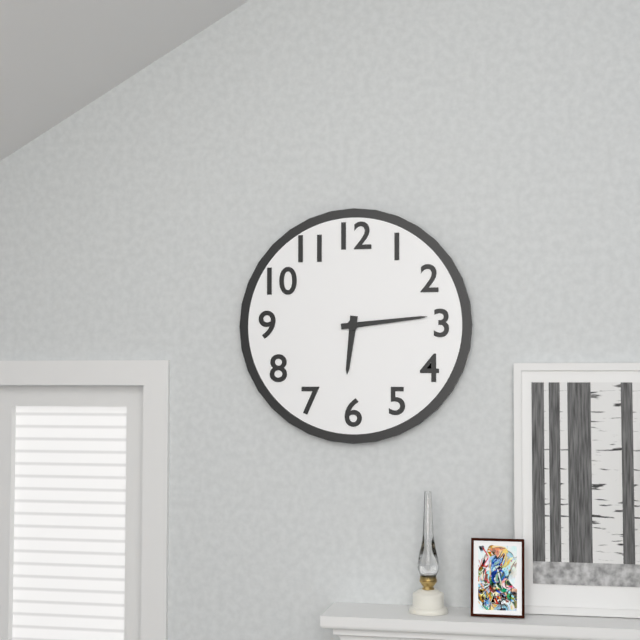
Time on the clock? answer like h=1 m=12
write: h=6 m=14
